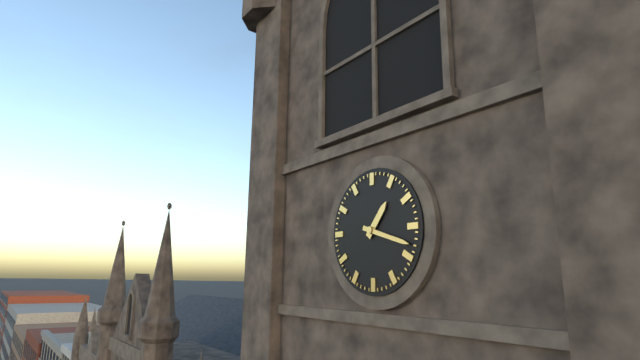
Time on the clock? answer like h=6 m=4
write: h=1 m=18
